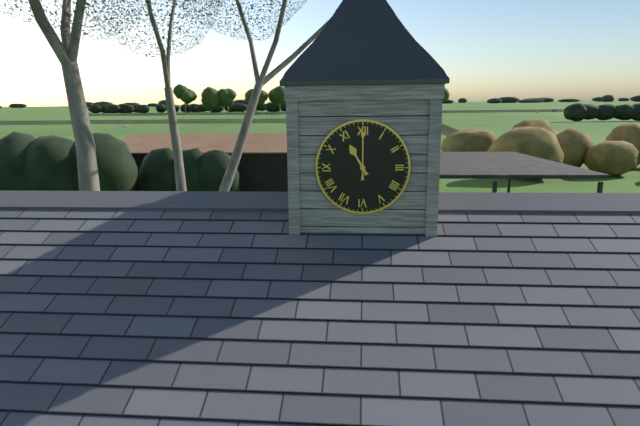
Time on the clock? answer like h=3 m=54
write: h=11 m=0
